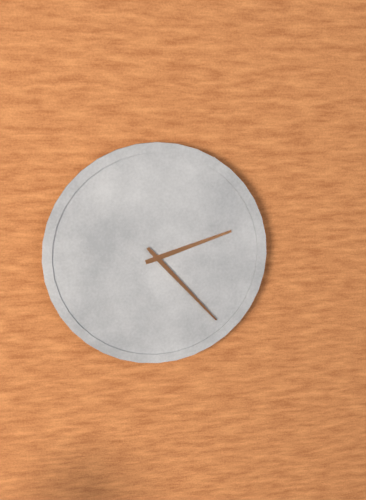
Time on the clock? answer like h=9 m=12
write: h=2 m=23
